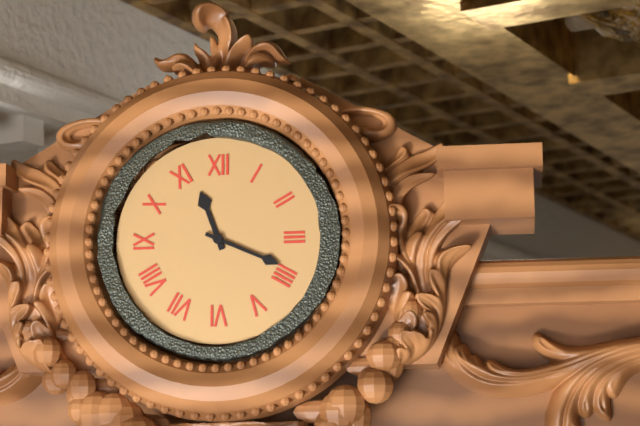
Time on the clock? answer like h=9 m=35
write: h=11 m=19
